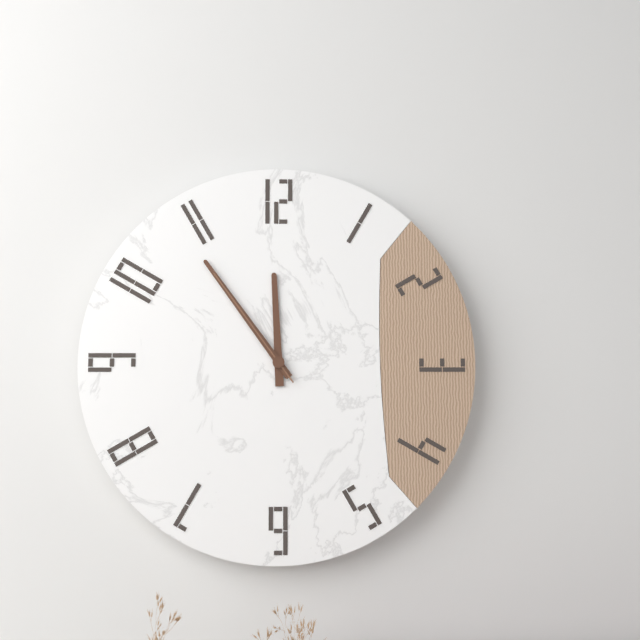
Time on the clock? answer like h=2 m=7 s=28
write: h=11 m=54 s=54
